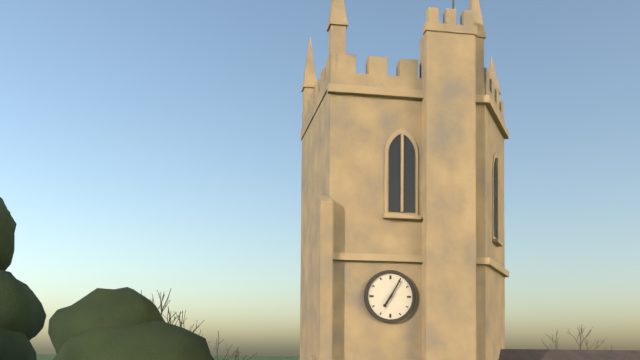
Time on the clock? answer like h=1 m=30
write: h=7 m=5
